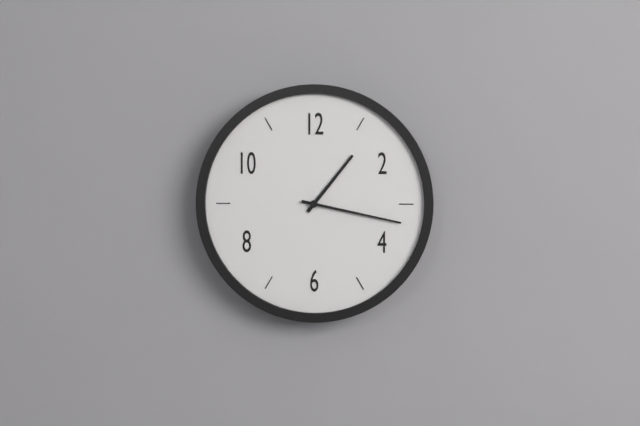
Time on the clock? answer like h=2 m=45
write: h=1 m=17
